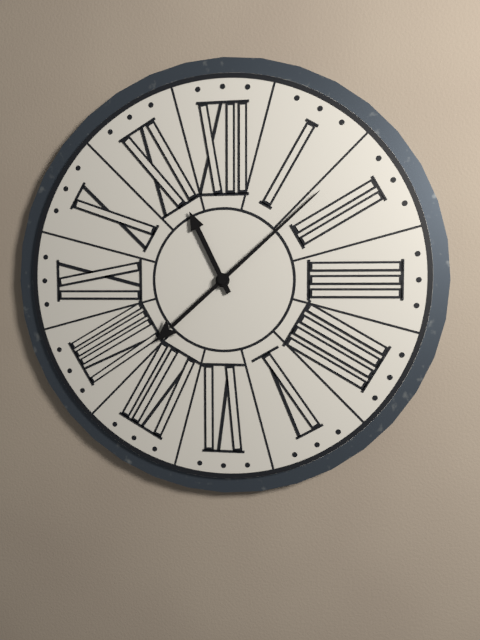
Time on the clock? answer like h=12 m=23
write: h=11 m=8
